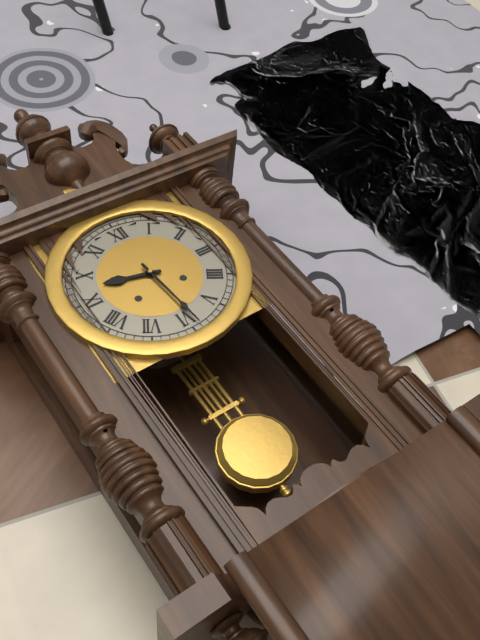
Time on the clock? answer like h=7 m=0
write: h=9 m=29
